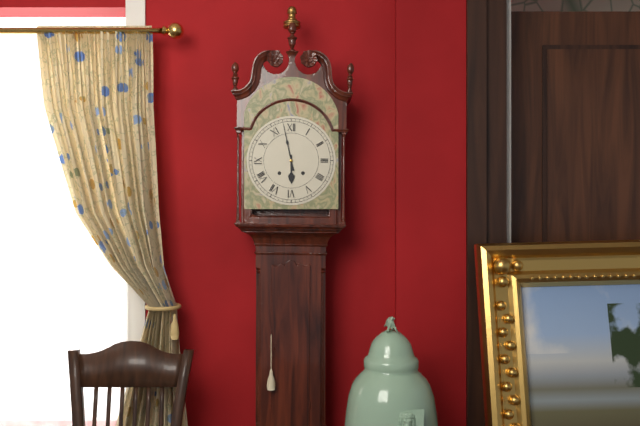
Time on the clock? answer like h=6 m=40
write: h=5 m=58
